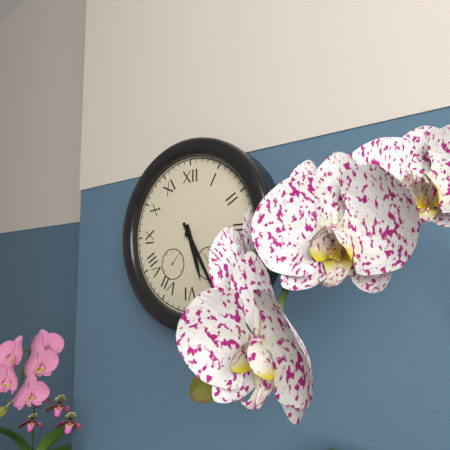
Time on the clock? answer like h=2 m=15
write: h=5 m=25
